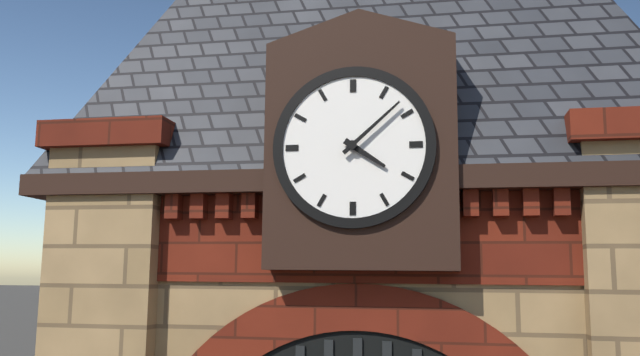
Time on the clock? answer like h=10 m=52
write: h=4 m=8
